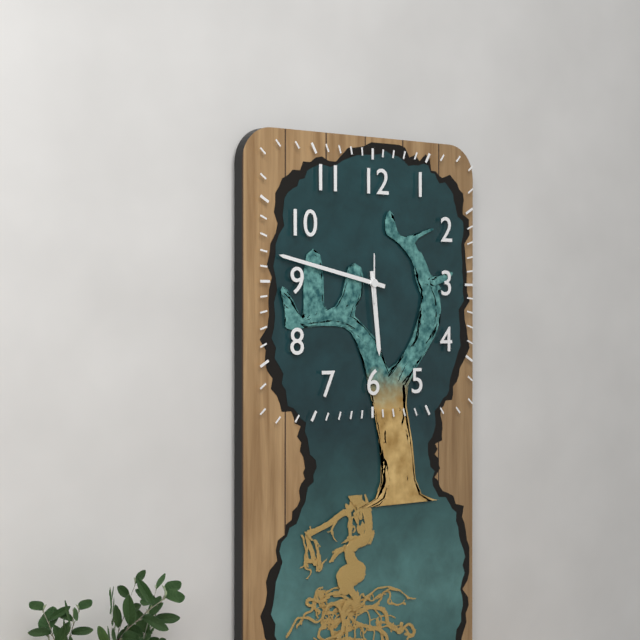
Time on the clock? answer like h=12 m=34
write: h=5 m=47
